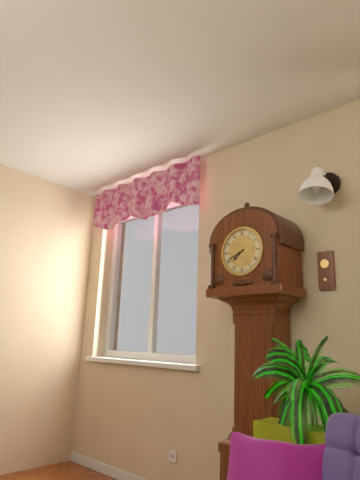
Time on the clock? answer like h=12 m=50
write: h=7 m=41
